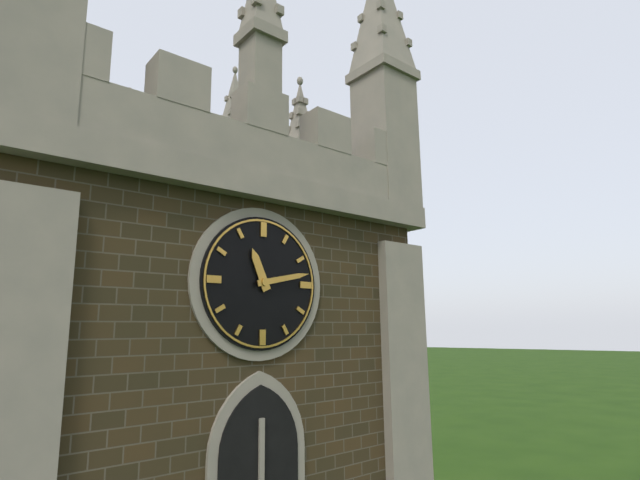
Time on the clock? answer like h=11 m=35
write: h=11 m=13
